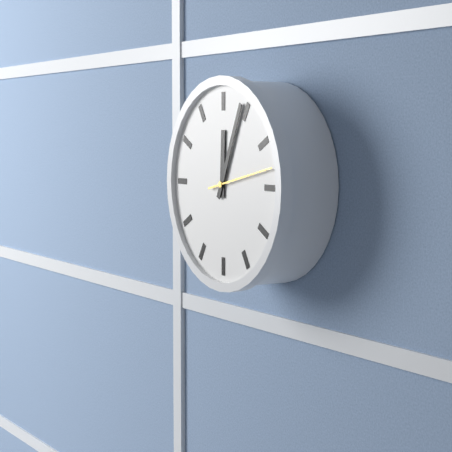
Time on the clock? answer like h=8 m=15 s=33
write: h=12 m=4 s=13
